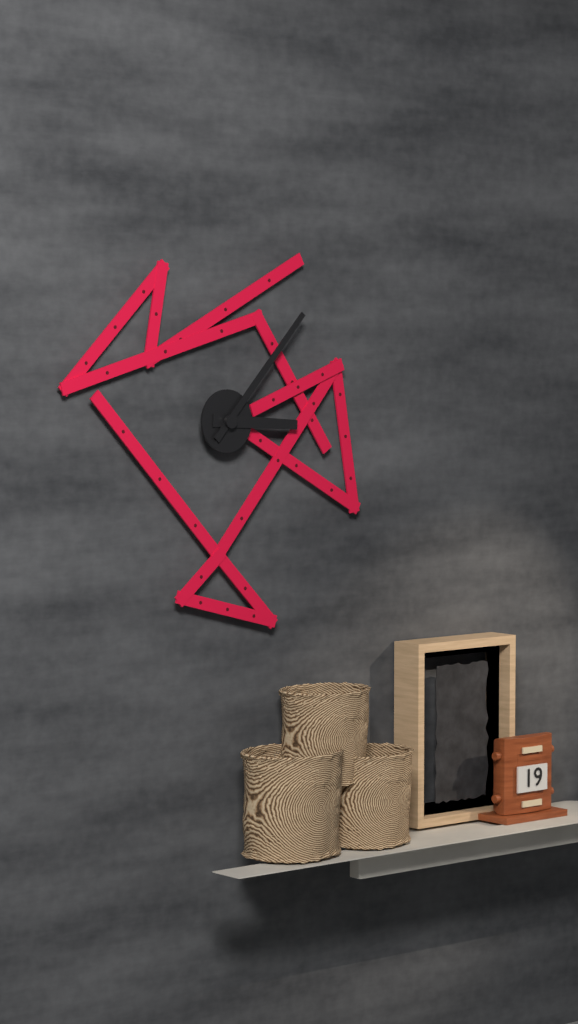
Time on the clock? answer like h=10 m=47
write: h=3 m=7
